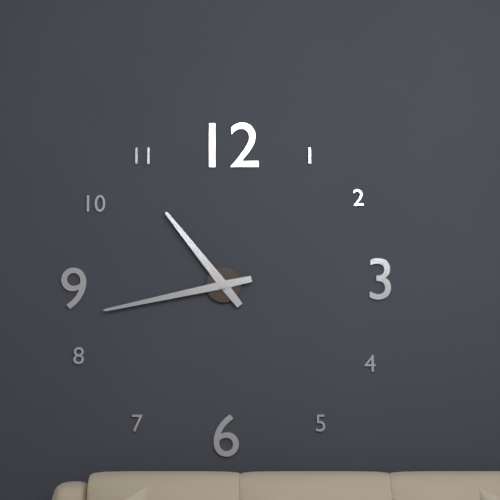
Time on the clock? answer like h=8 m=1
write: h=10 m=43
